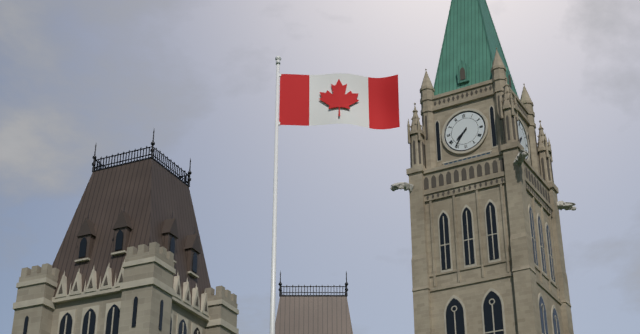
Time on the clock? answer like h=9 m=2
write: h=7 m=36
